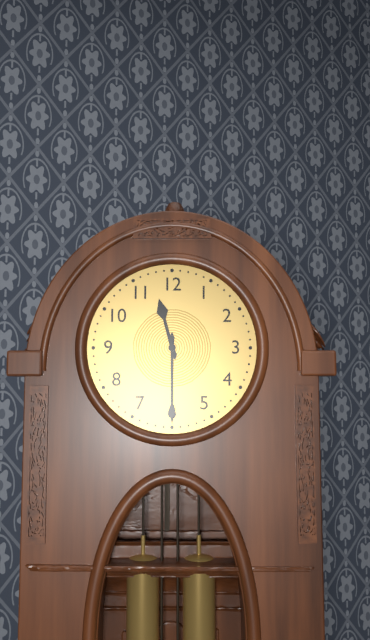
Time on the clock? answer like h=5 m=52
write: h=11 m=30
